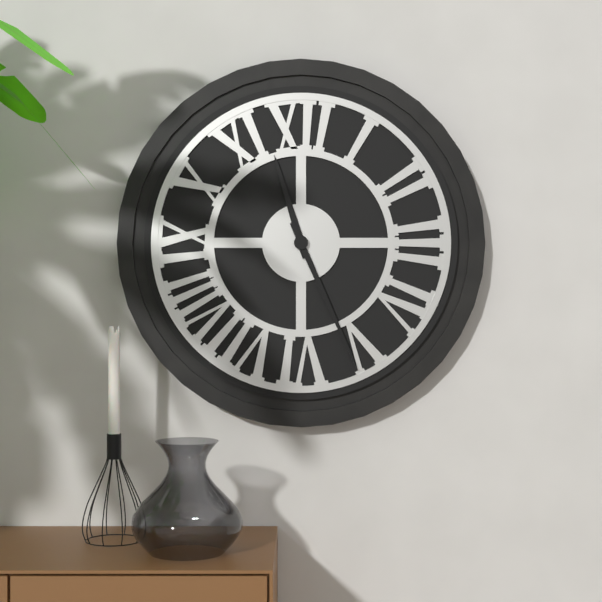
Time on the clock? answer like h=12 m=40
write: h=11 m=26
